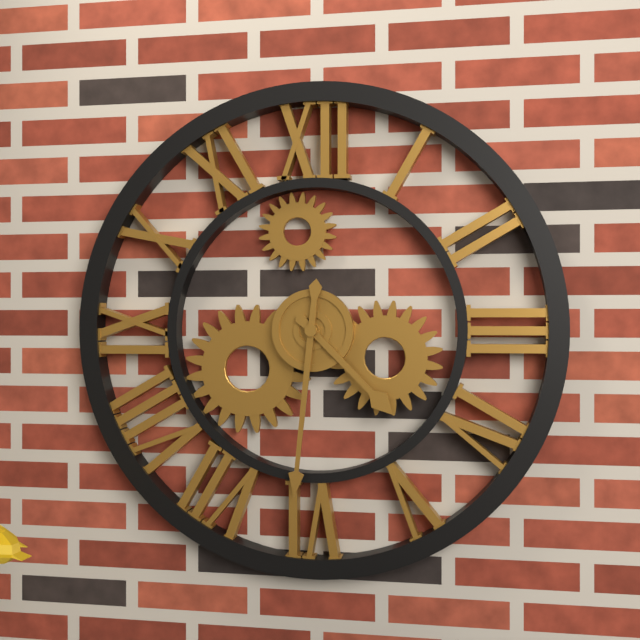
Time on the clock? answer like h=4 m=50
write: h=4 m=31
